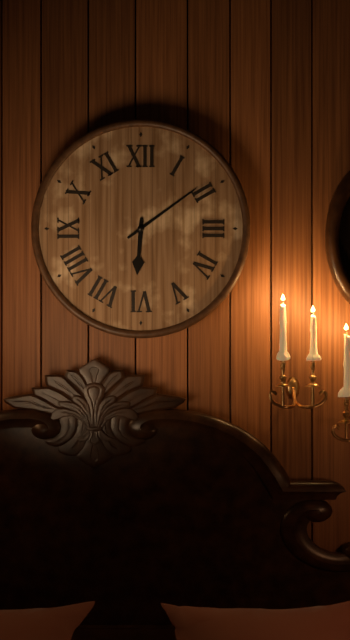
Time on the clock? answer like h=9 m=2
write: h=6 m=9
